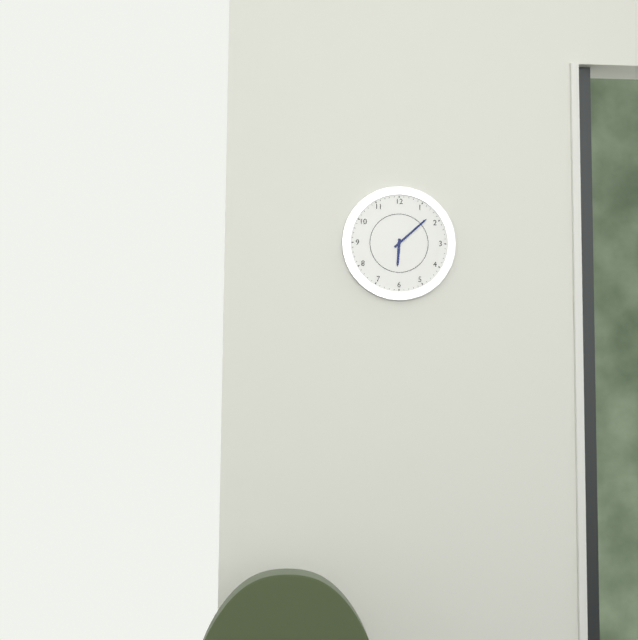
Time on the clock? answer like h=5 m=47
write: h=6 m=8
